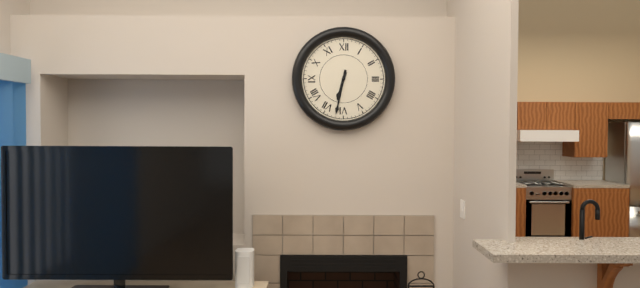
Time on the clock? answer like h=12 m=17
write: h=6 m=32
